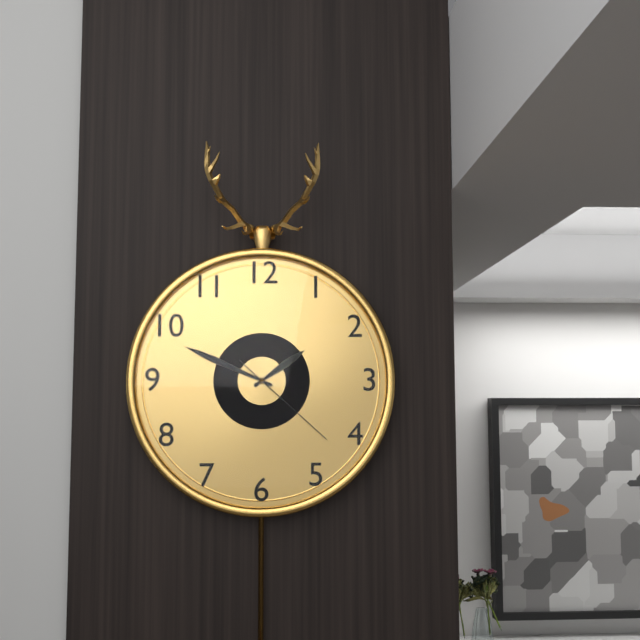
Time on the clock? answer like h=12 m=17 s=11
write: h=1 m=49 s=22
